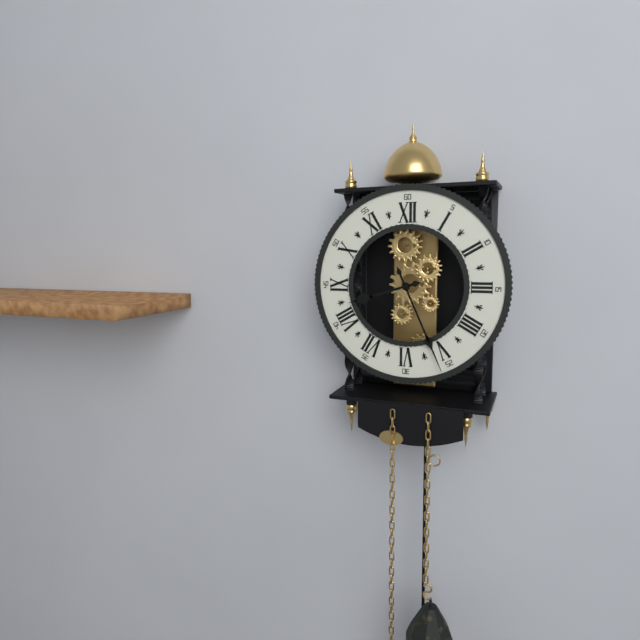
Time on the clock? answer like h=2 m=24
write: h=8 m=26
